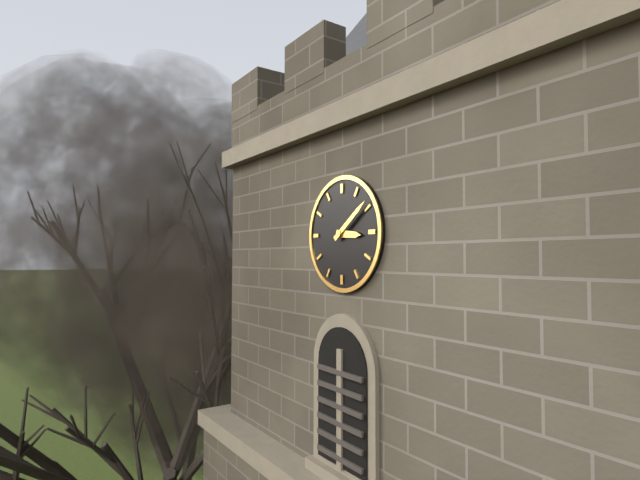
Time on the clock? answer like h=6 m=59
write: h=3 m=9
